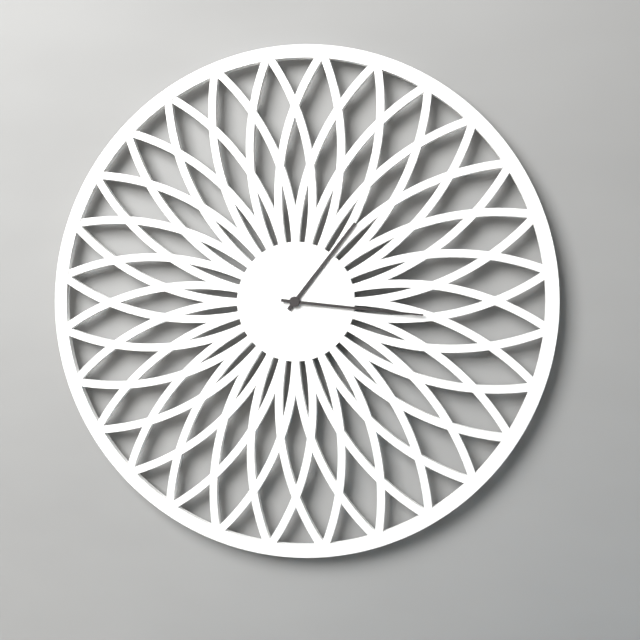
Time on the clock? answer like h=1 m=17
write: h=1 m=16
